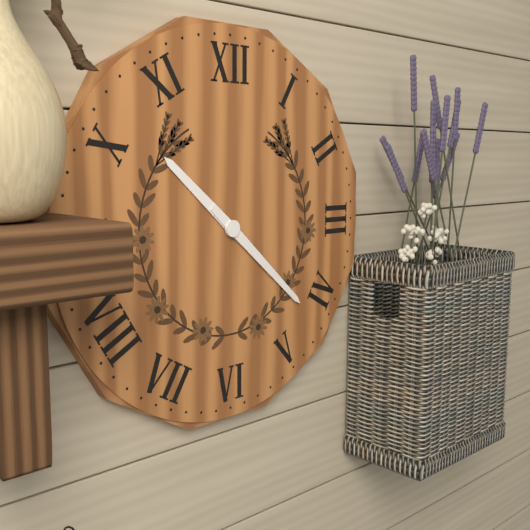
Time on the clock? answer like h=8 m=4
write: h=10 m=22
